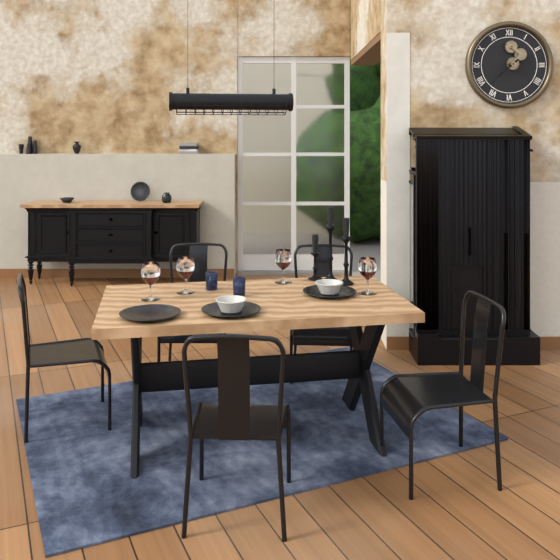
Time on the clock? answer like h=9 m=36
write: h=7 m=38
